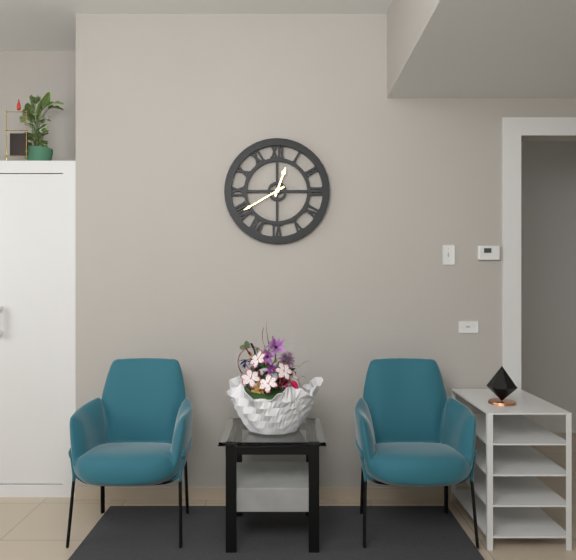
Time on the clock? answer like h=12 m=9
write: h=12 m=40
